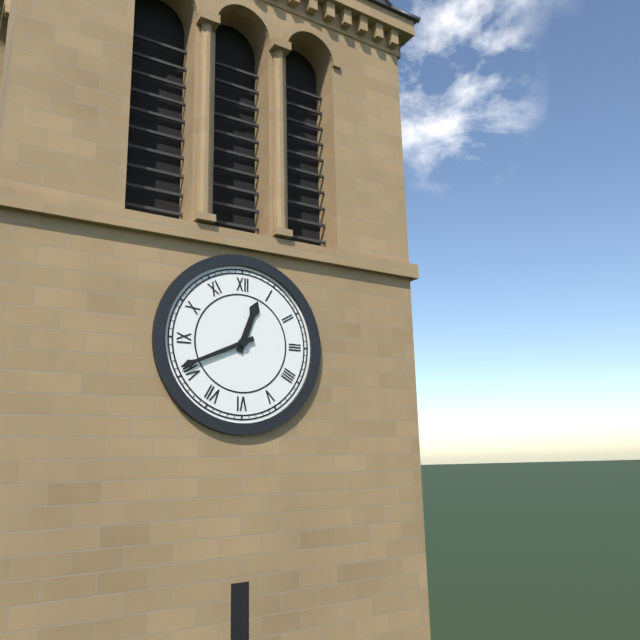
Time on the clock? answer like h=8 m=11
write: h=12 m=41
